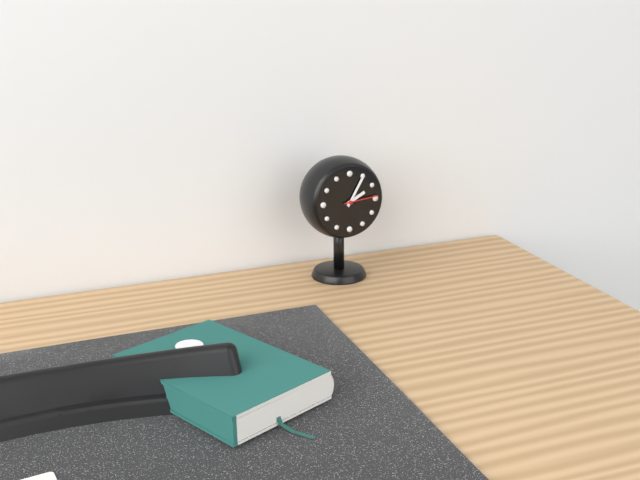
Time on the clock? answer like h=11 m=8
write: h=2 m=5
